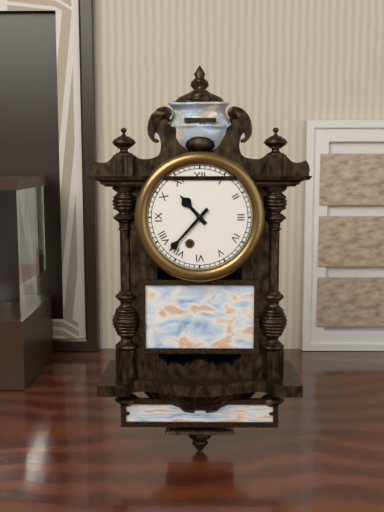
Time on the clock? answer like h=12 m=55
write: h=10 m=37
